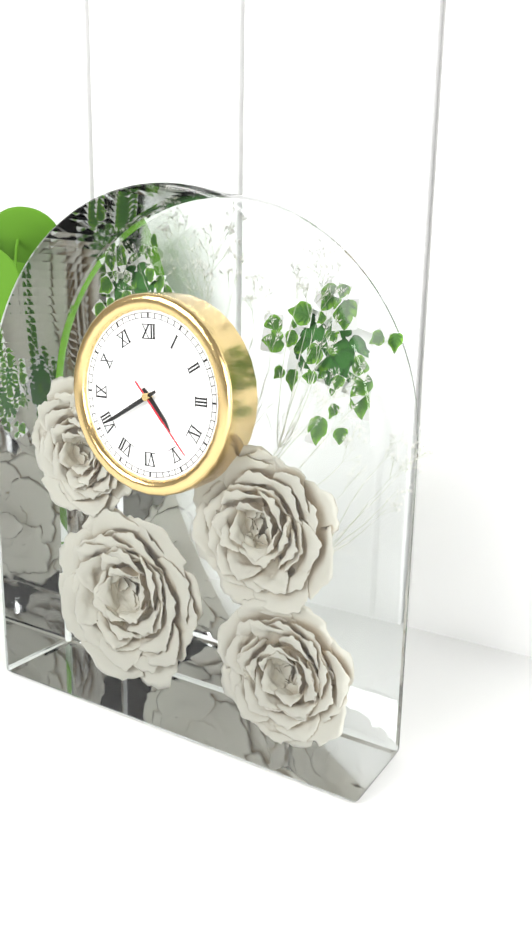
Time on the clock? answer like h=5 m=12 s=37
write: h=4 m=40 s=23
